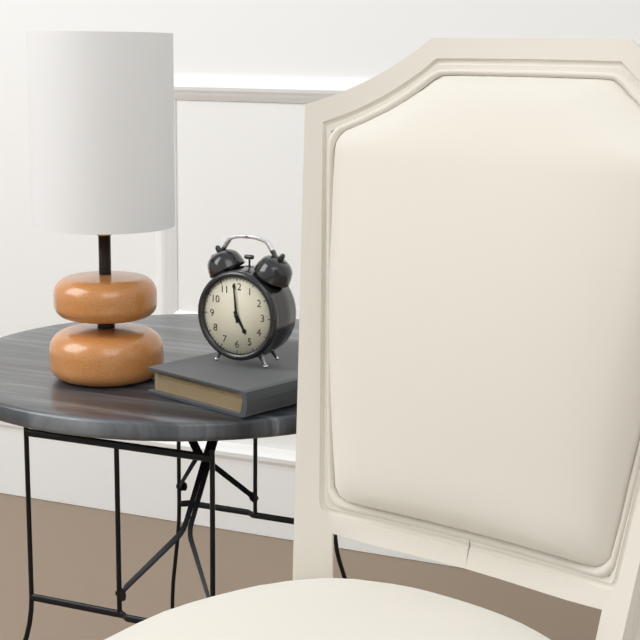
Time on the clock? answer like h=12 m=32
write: h=4 m=59
